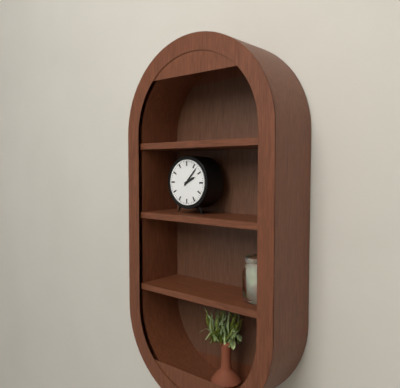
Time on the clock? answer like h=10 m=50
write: h=2 m=7
